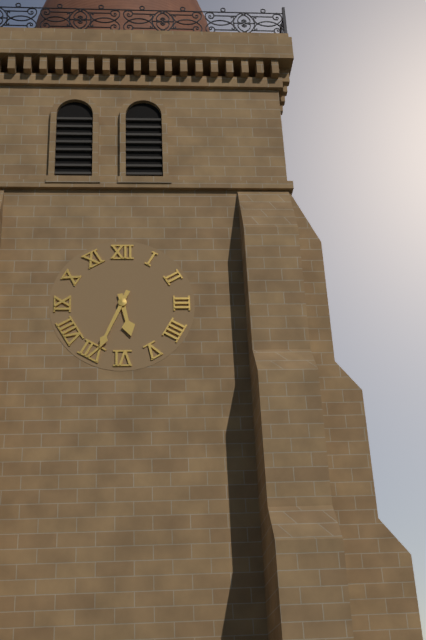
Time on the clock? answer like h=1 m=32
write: h=5 m=34
